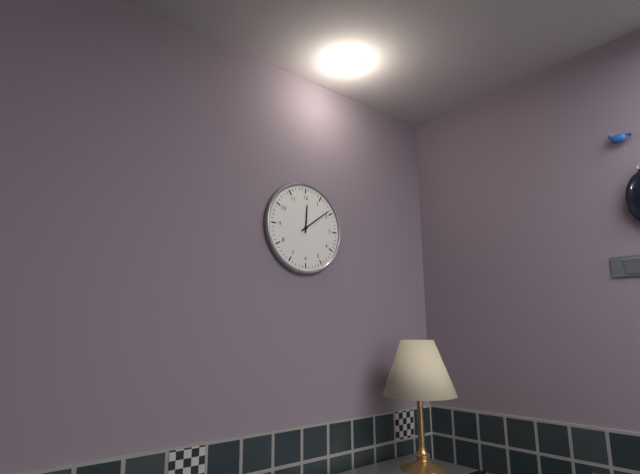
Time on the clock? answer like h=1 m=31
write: h=12 m=9
